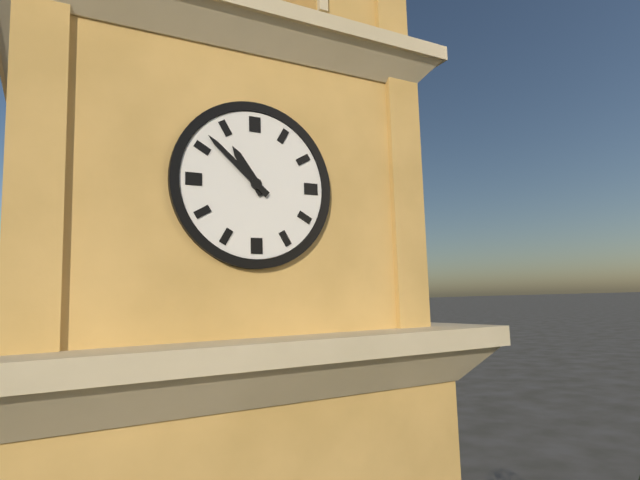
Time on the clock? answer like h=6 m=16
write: h=10 m=52
